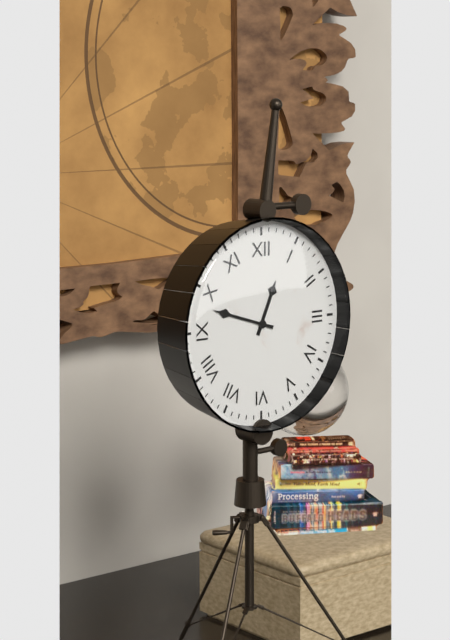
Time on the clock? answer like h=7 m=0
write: h=12 m=48
